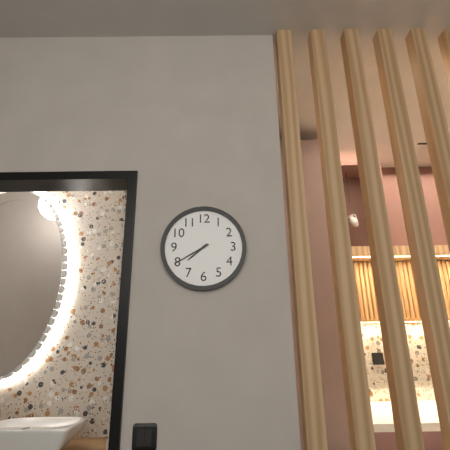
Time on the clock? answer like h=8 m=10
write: h=7 m=40
